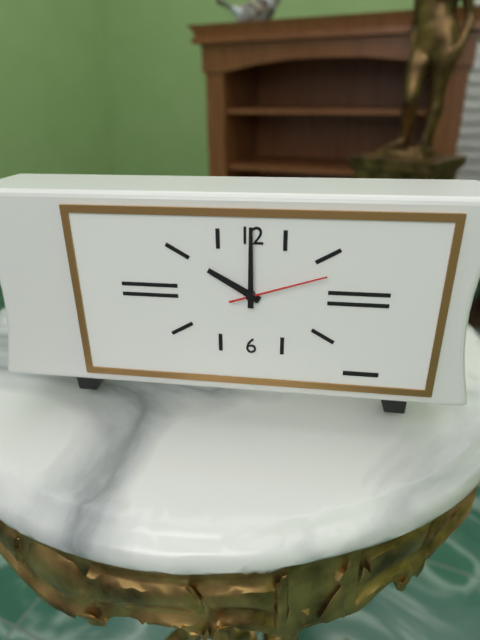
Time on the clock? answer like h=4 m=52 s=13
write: h=10 m=0 s=12
